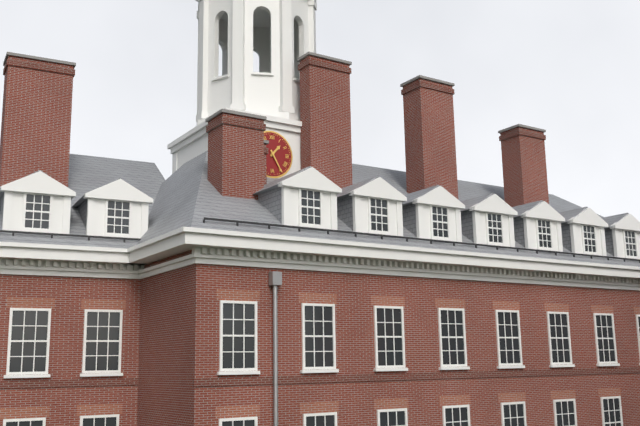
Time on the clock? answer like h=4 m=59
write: h=1 m=25
